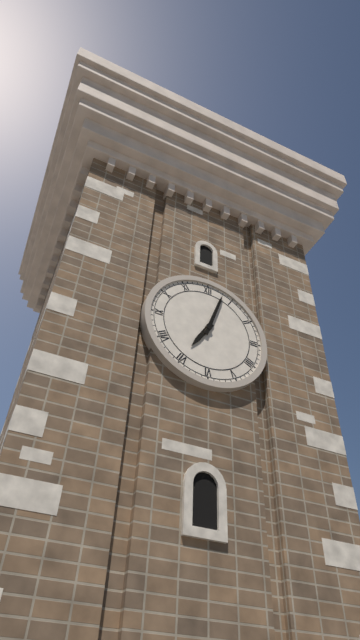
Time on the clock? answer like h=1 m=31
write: h=7 m=3
